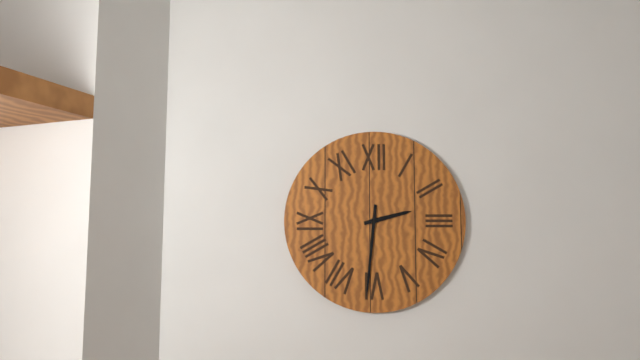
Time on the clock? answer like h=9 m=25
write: h=2 m=31
